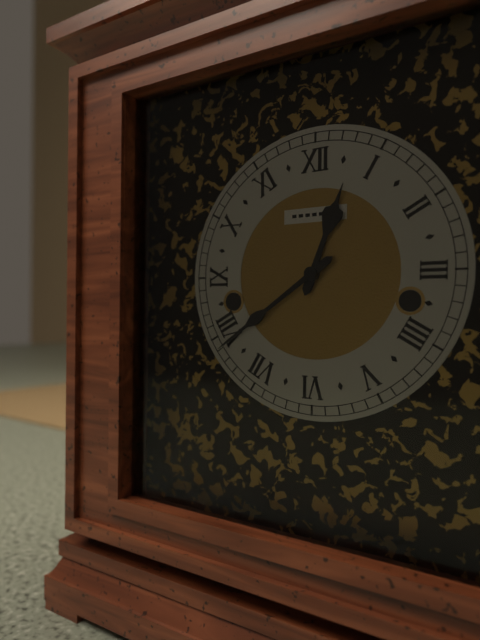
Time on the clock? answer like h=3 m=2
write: h=12 m=39
